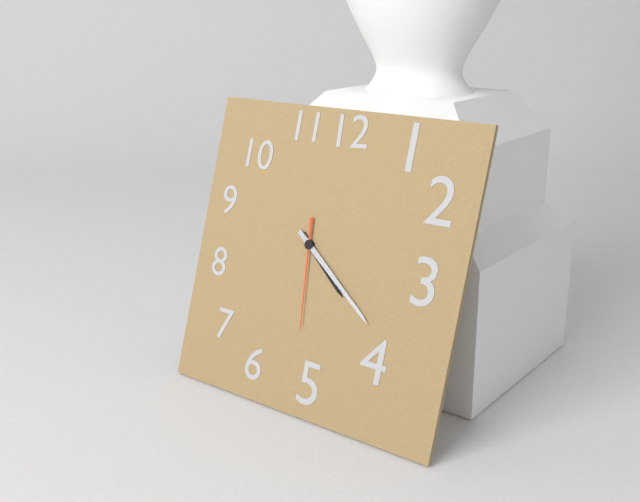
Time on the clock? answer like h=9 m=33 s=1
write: h=4 m=21 s=29
